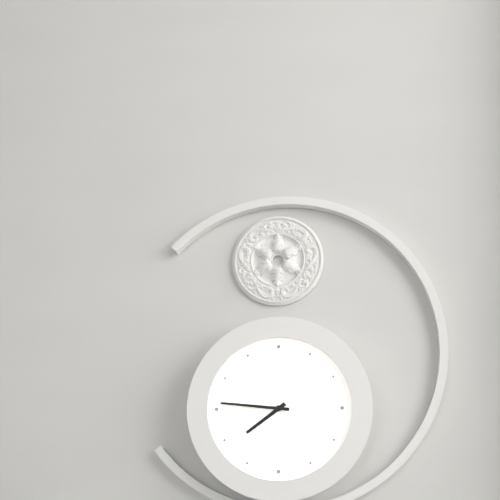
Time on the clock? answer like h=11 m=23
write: h=7 m=46
